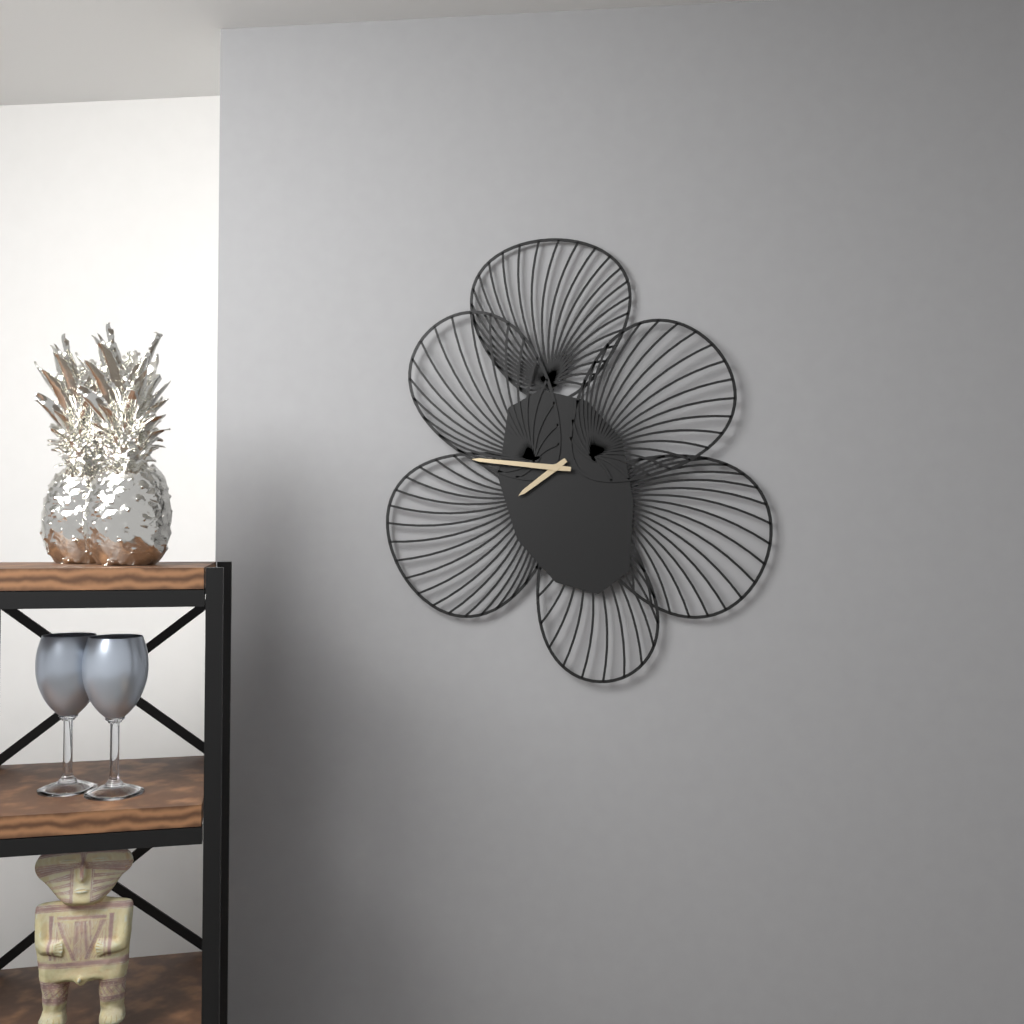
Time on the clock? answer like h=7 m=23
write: h=7 m=46
